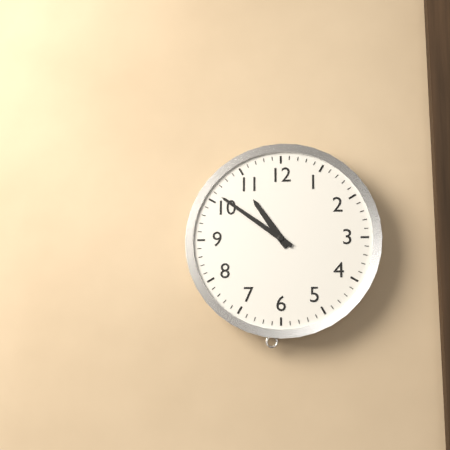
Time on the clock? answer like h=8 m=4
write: h=10 m=51
